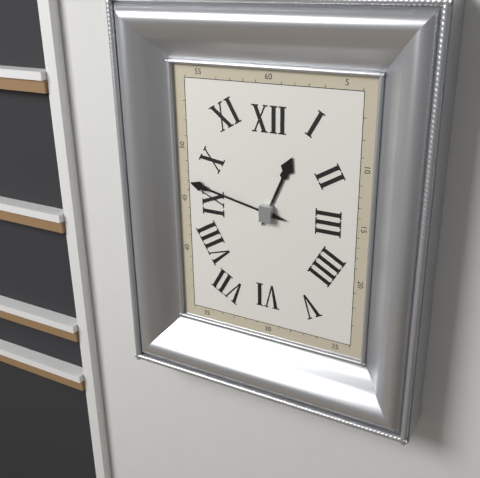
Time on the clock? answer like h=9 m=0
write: h=12 m=47
